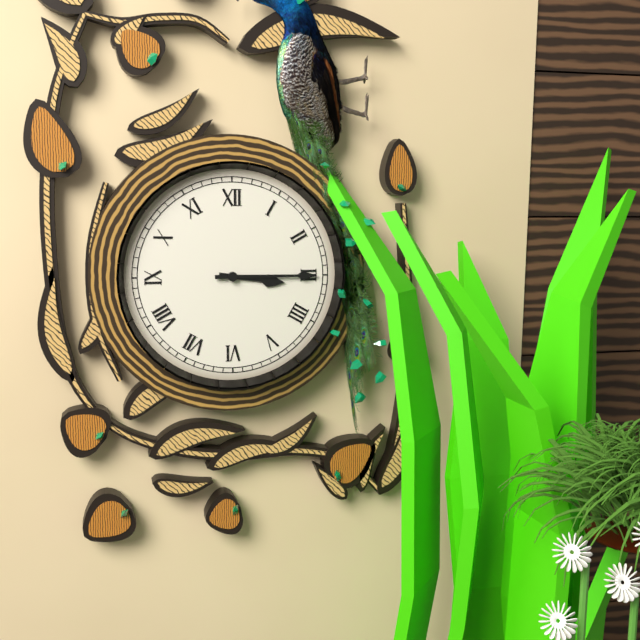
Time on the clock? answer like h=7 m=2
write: h=3 m=15
